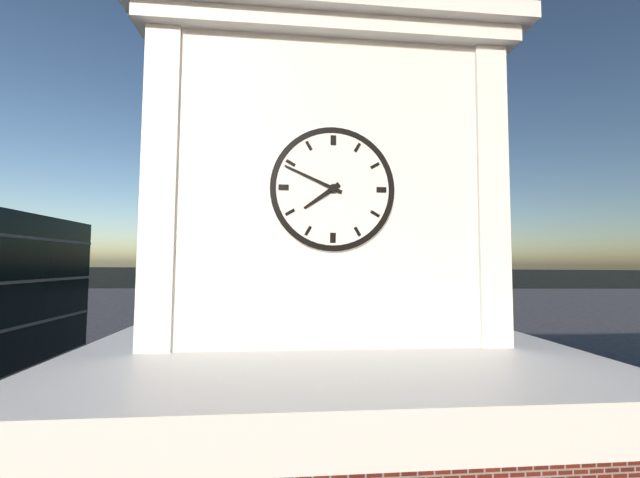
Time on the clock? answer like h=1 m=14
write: h=7 m=49
